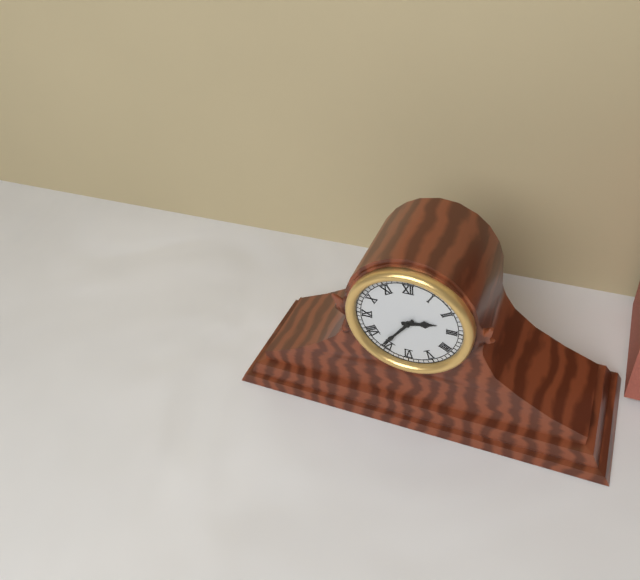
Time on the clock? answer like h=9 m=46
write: h=2 m=36
